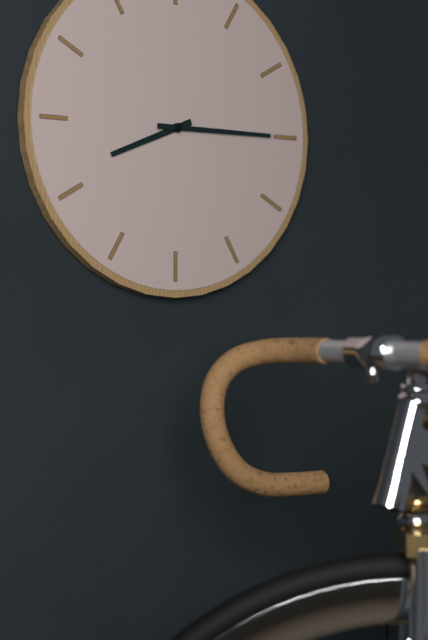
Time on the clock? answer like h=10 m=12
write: h=8 m=15
